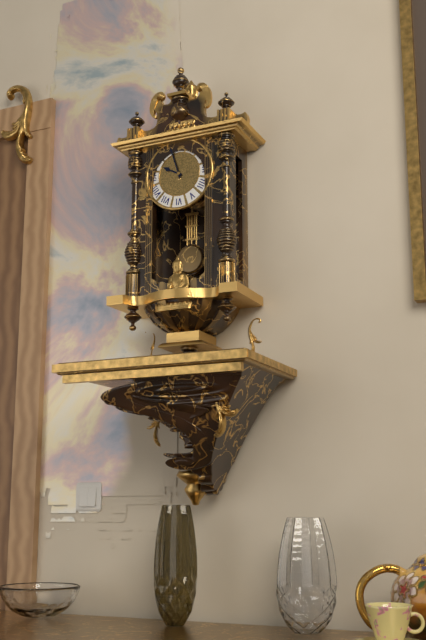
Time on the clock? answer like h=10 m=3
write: h=9 m=57
